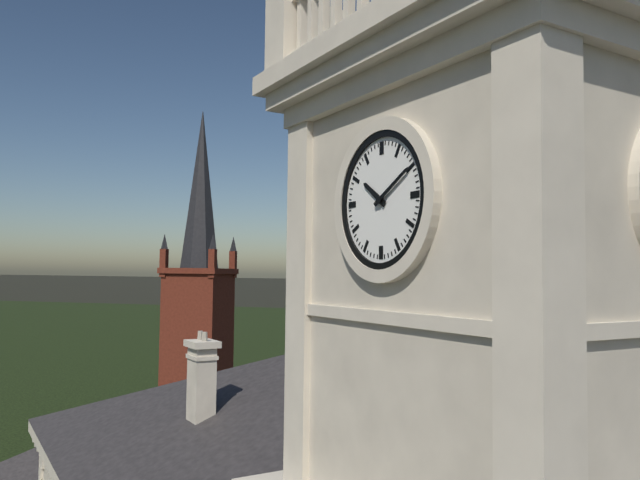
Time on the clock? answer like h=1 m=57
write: h=10 m=10
